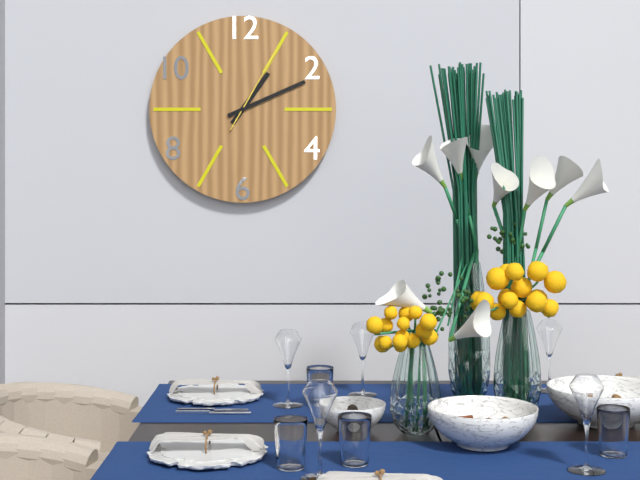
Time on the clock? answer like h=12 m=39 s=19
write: h=1 m=11 s=5
